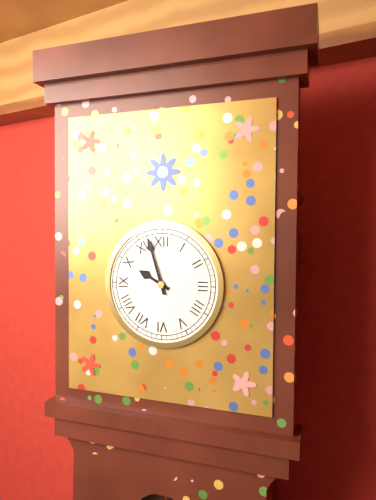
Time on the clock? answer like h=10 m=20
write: h=9 m=57
